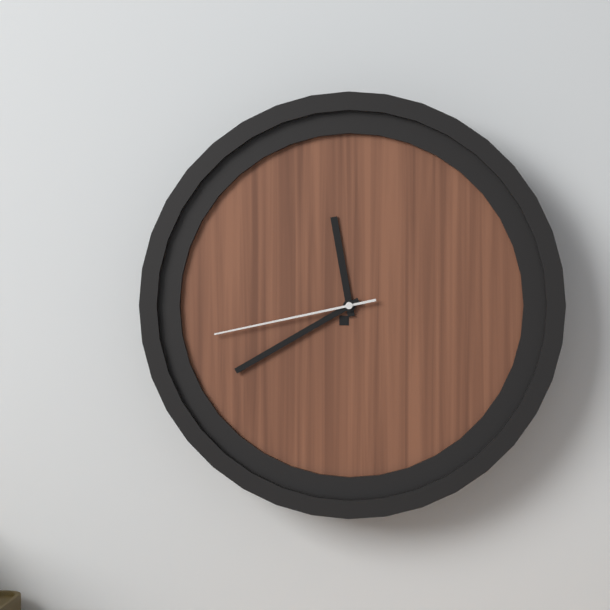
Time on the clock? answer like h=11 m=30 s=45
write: h=11 m=40 s=43
